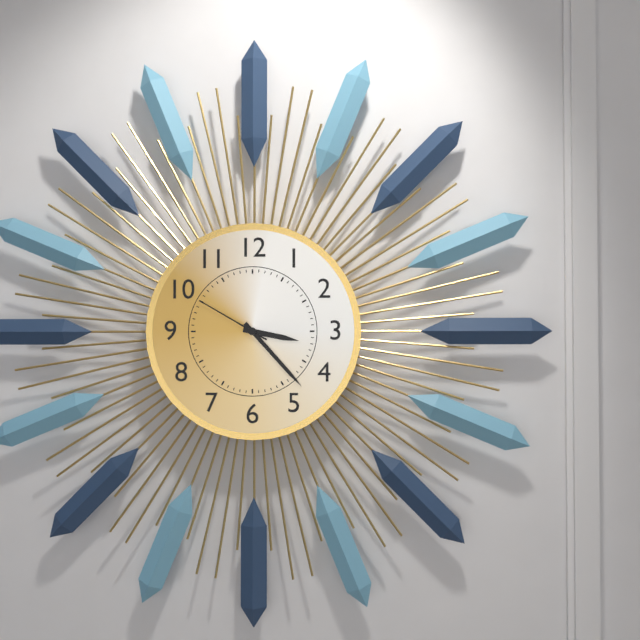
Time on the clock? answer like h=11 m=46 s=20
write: h=3 m=23 s=50
